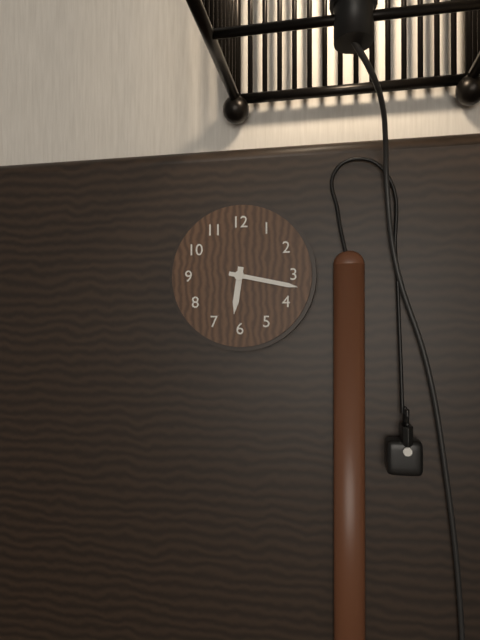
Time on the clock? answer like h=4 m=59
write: h=6 m=17
